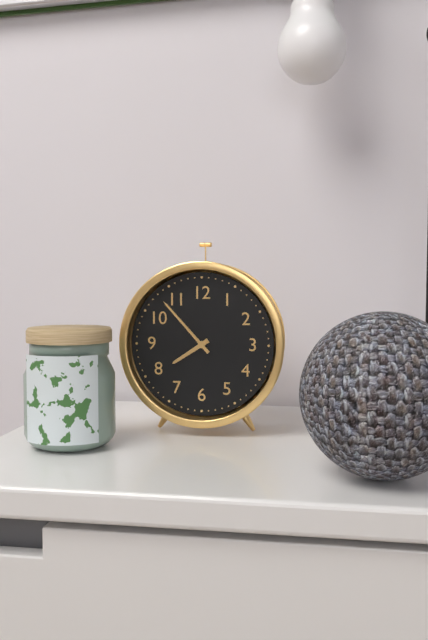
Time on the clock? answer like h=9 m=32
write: h=7 m=53
